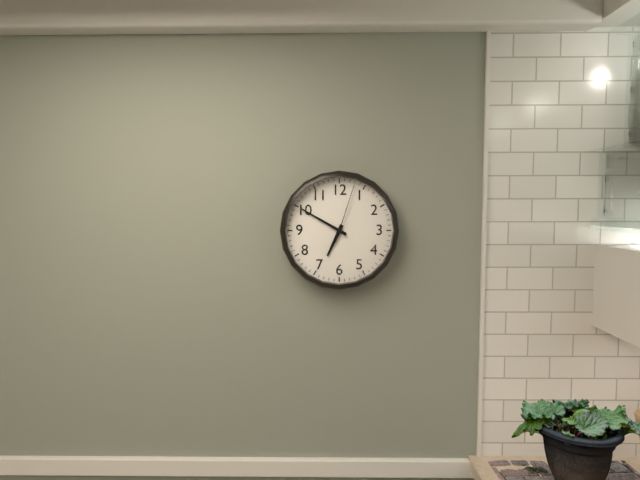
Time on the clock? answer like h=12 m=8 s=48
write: h=6 m=50 s=3
